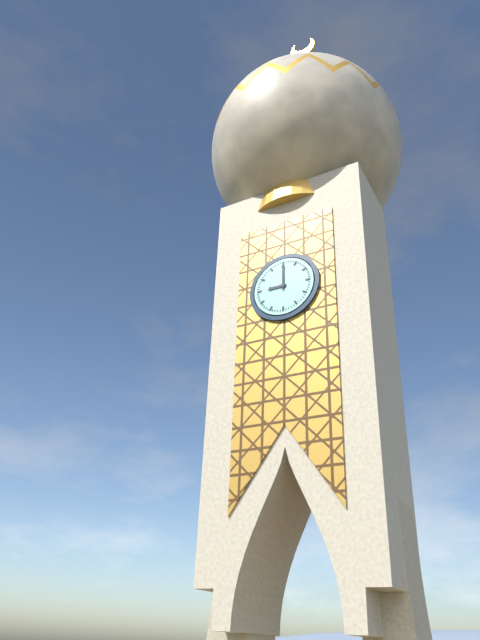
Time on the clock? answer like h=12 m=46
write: h=9 m=0
